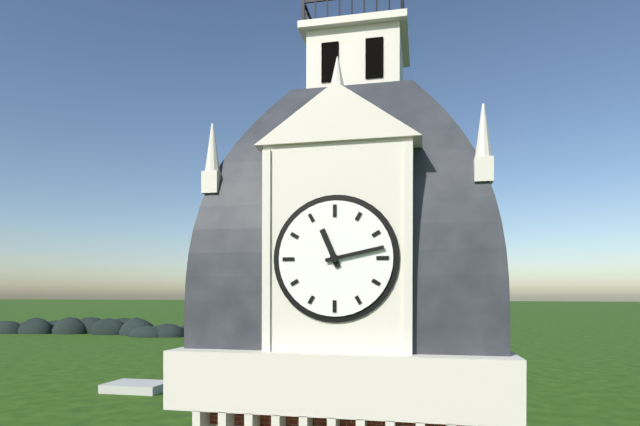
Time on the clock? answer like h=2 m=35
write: h=11 m=13
